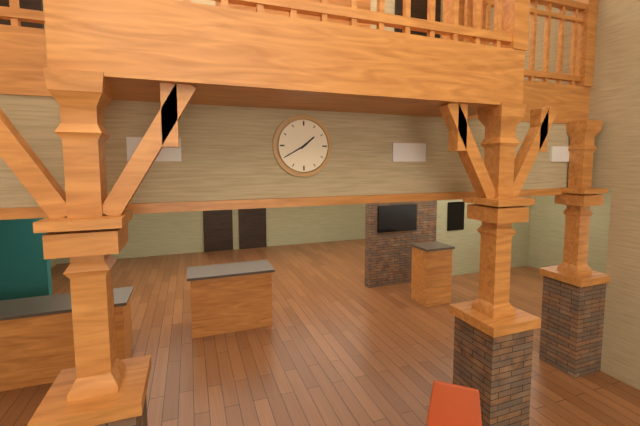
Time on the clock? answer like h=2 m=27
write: h=1 m=40
